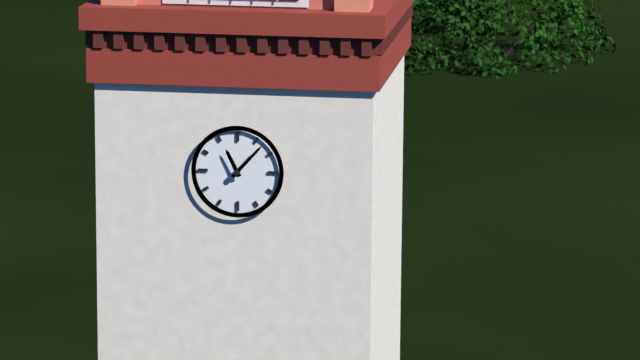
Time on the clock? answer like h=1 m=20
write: h=11 m=7
